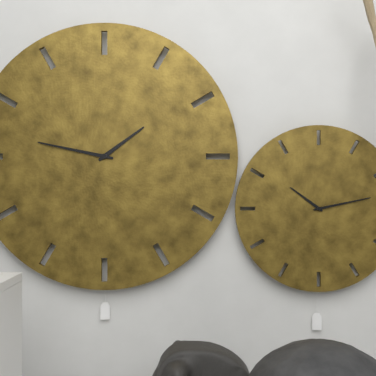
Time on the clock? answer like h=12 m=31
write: h=1 m=47
